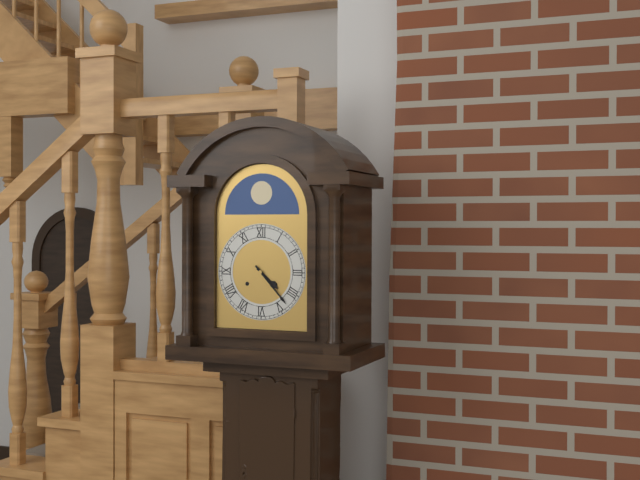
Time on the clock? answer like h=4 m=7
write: h=4 m=23
